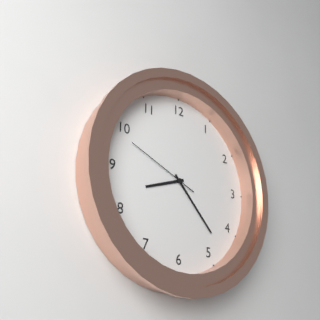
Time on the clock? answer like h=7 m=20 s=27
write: h=8 m=23 s=49
